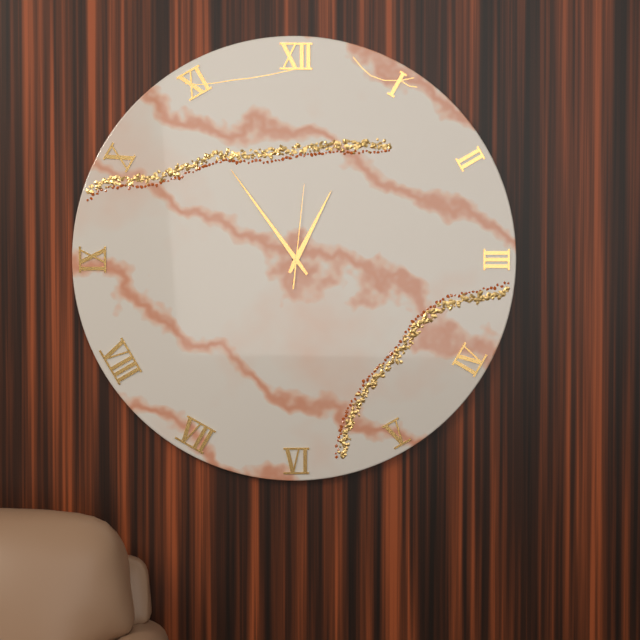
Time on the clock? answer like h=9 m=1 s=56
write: h=12 m=54 s=1
